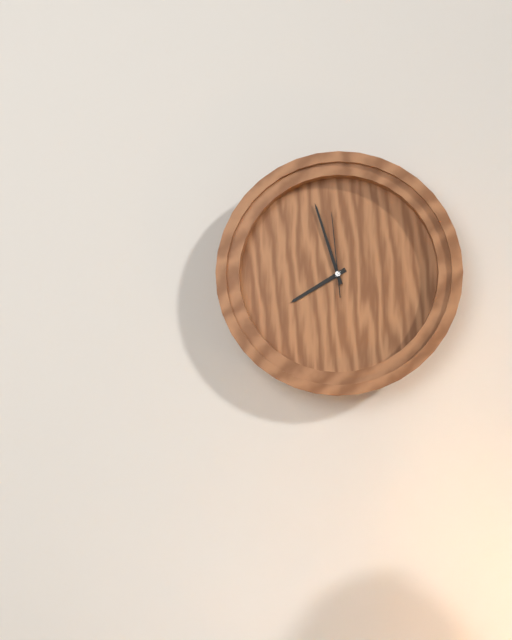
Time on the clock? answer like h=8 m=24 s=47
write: h=7 m=57 s=59
